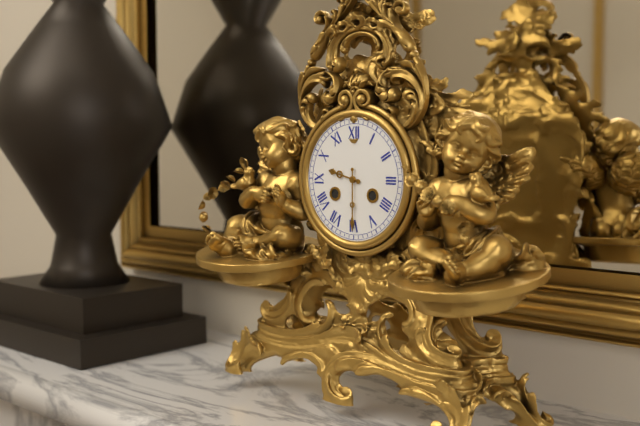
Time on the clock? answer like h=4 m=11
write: h=9 m=30
